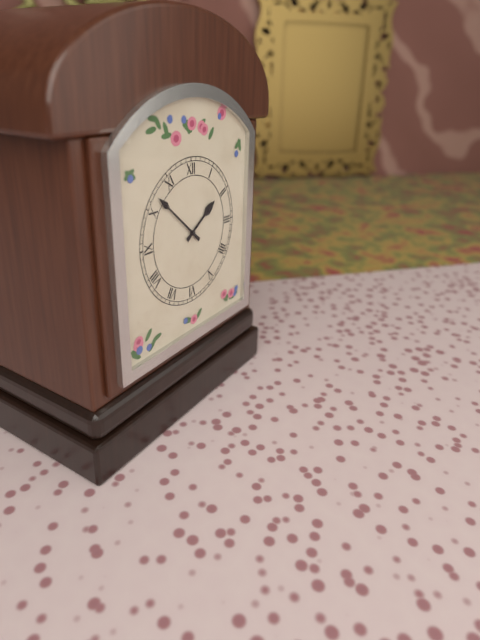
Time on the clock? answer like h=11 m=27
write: h=1 m=52
